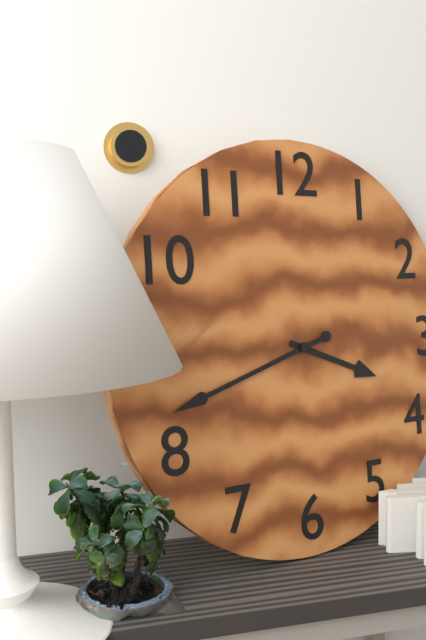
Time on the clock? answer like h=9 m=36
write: h=3 m=42
